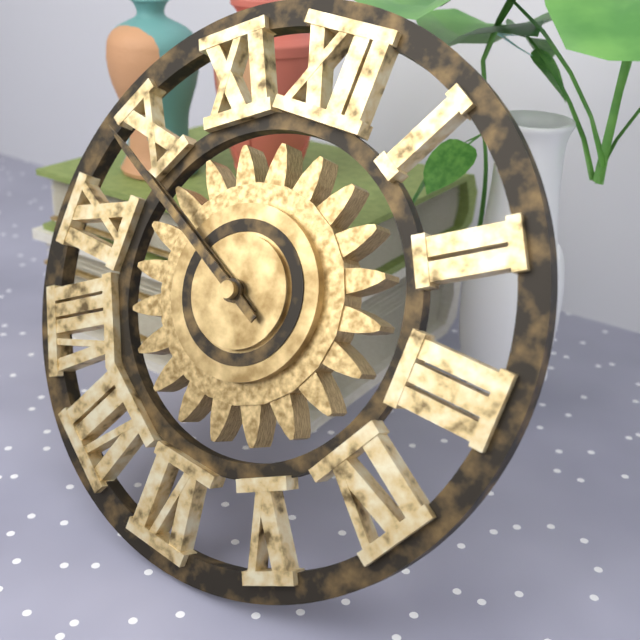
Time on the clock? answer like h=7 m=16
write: h=9 m=49
